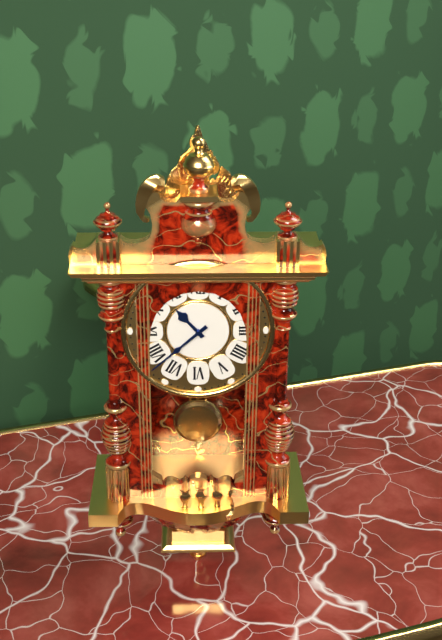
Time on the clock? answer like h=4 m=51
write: h=10 m=38
